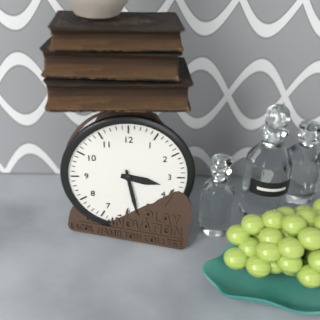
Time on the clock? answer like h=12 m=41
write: h=3 m=28
